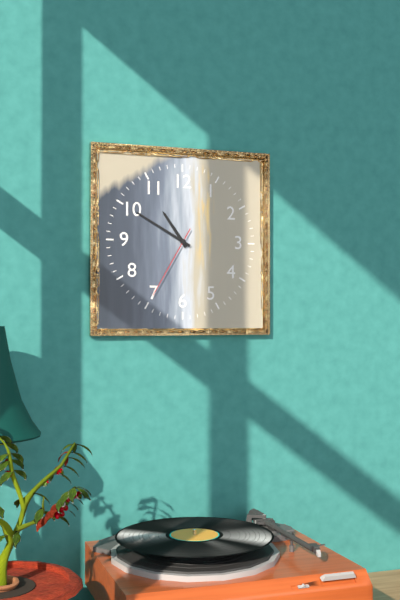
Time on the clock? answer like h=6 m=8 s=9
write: h=10 m=50 s=35
